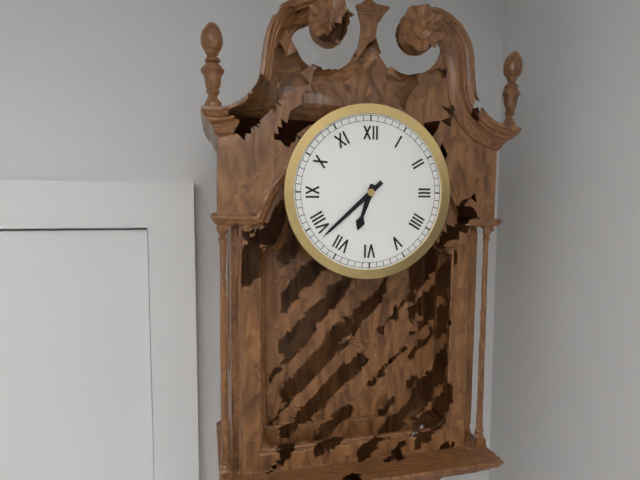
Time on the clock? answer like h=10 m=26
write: h=6 m=38
